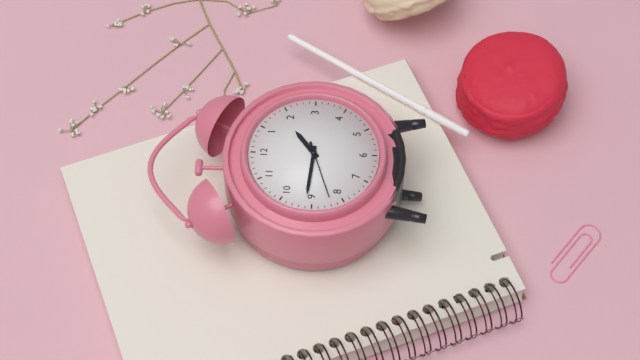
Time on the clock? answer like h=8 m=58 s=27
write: h=1 m=46 s=42
